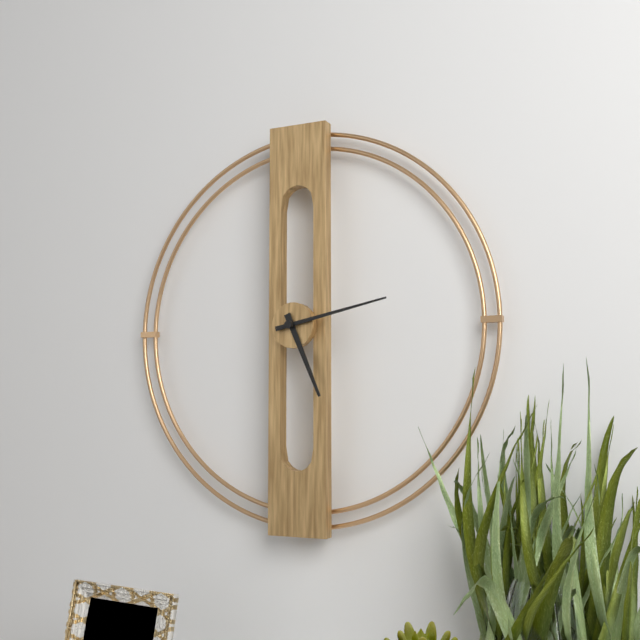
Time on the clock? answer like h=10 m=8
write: h=5 m=13
